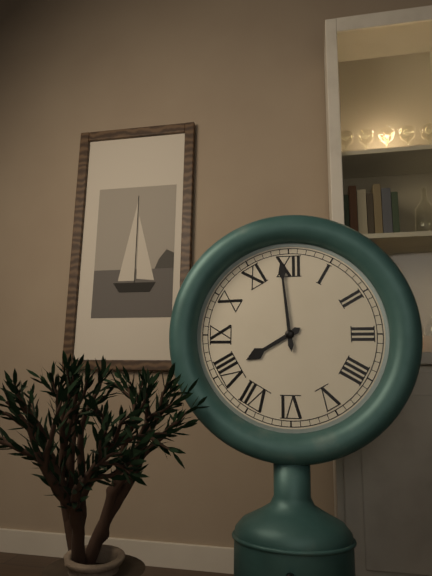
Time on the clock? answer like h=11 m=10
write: h=7 m=59
